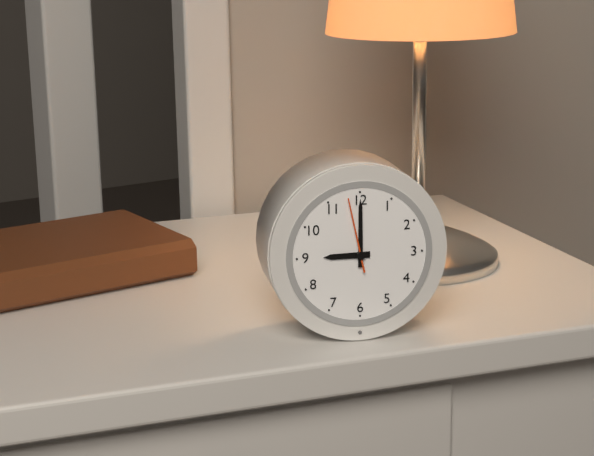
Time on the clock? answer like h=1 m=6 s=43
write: h=9 m=0 s=58
